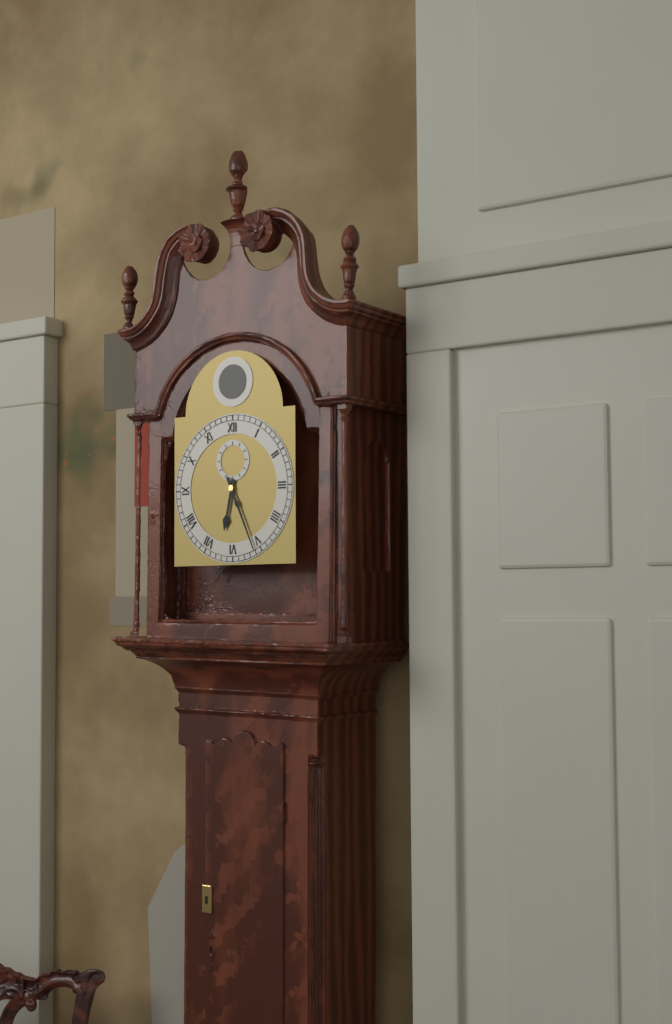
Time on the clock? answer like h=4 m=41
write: h=6 m=26
